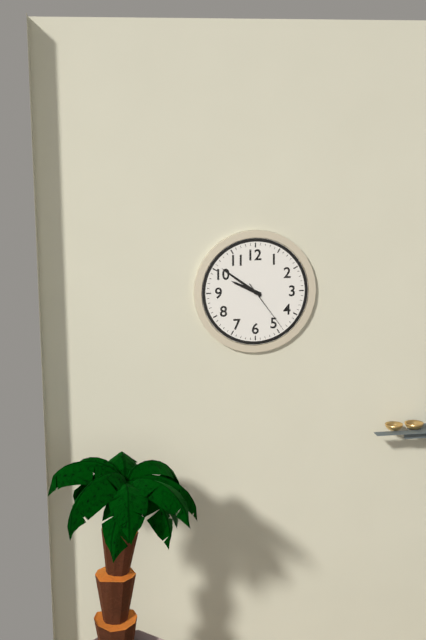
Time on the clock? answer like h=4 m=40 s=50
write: h=9 m=51 s=24
